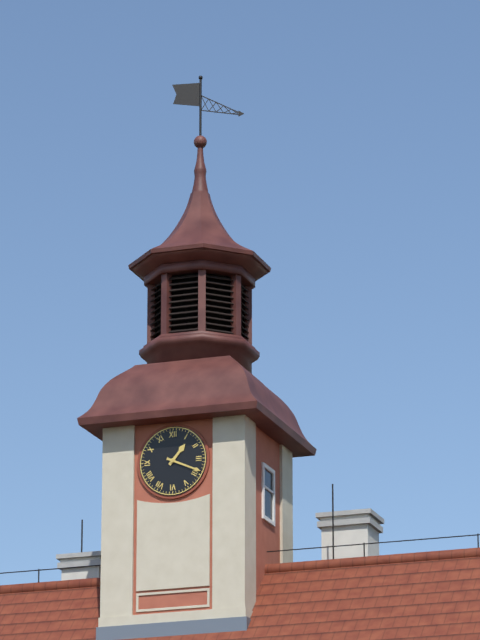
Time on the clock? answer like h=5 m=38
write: h=1 m=19
